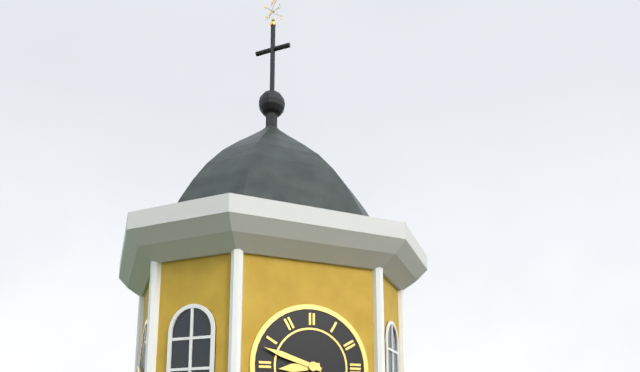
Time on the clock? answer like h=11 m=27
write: h=8 m=48
